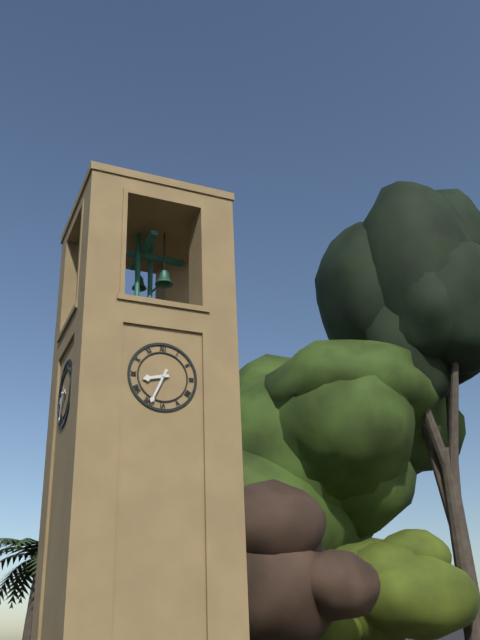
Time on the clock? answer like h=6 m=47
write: h=8 m=34
